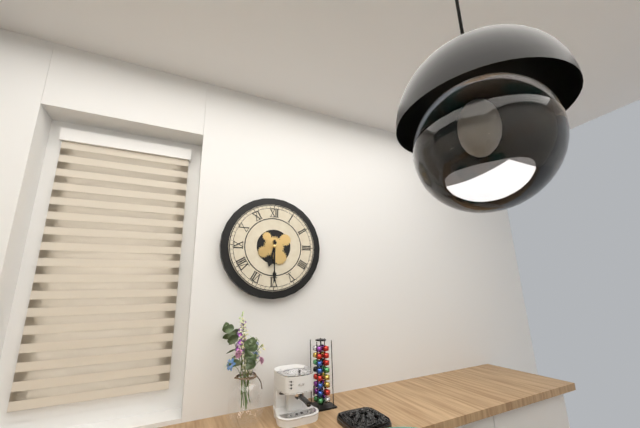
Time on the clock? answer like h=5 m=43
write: h=6 m=30
